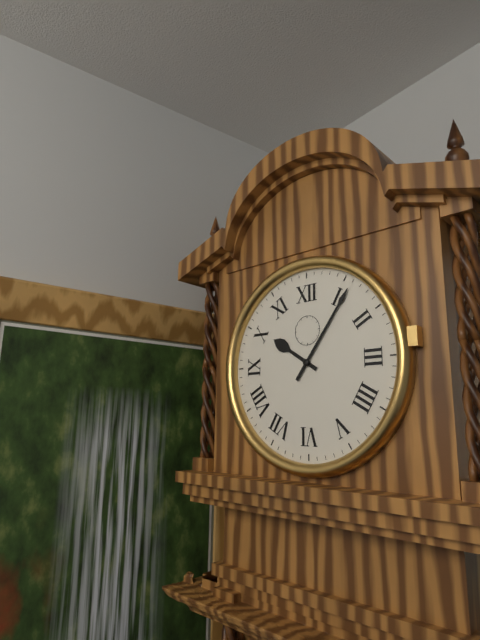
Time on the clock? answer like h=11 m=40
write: h=10 m=6
